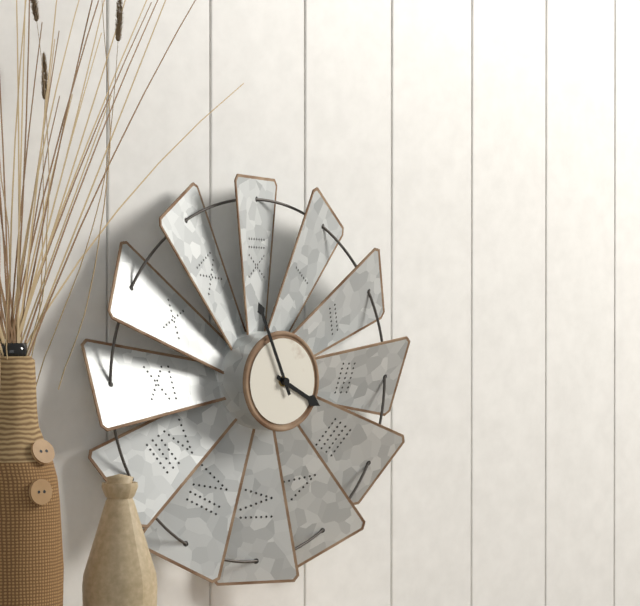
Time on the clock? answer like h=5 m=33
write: h=3 m=56
